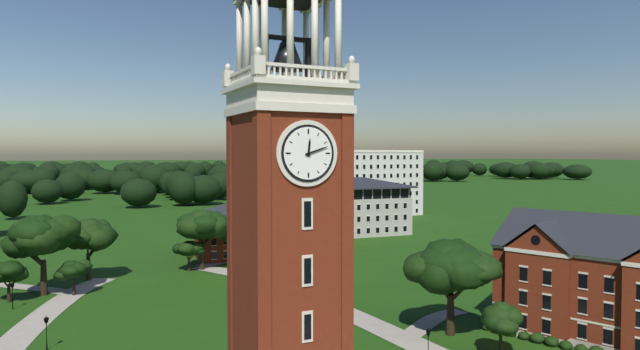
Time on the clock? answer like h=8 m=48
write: h=12 m=12
